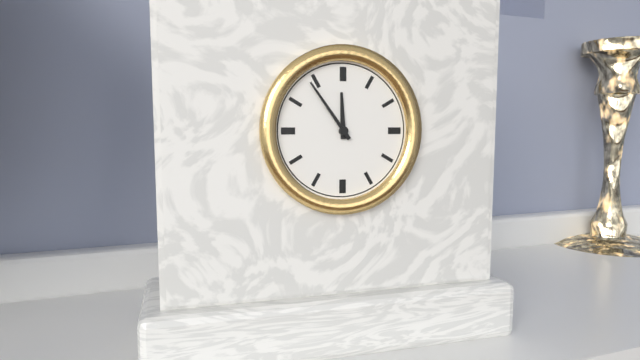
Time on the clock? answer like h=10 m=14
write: h=11 m=54
